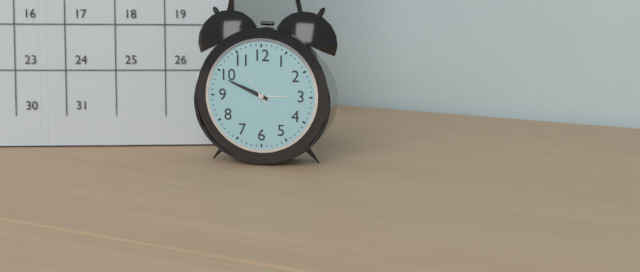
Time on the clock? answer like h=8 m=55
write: h=9 m=49
